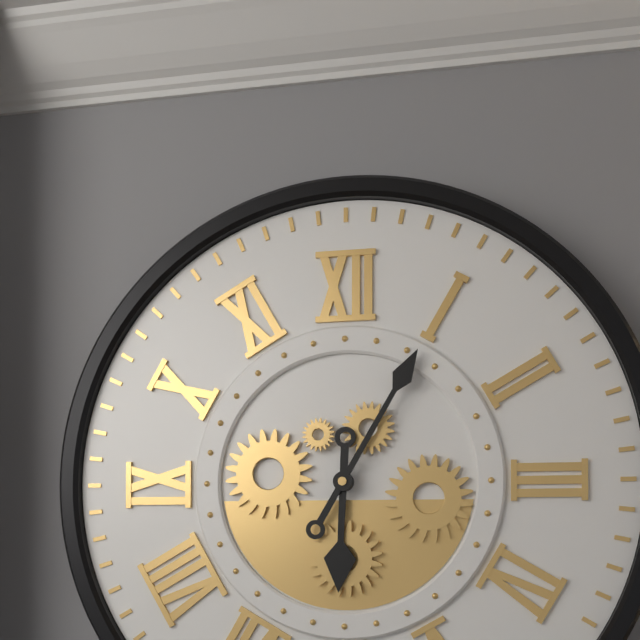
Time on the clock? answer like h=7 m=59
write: h=6 m=5
